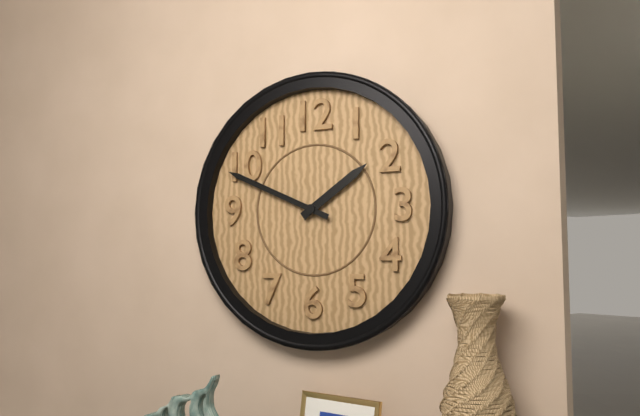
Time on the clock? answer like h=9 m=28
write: h=1 m=49
